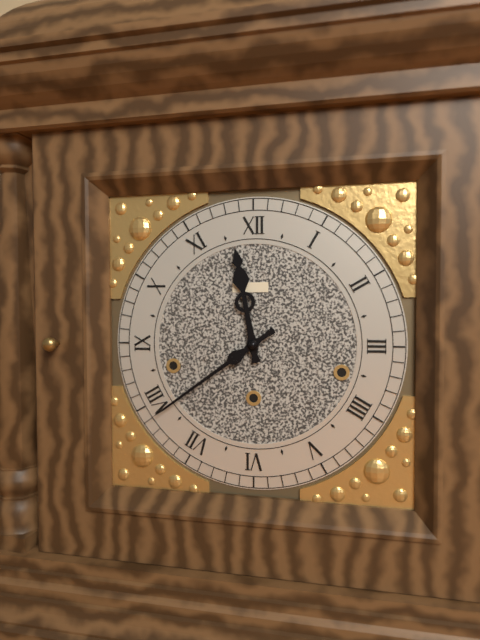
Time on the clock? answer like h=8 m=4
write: h=11 m=39
